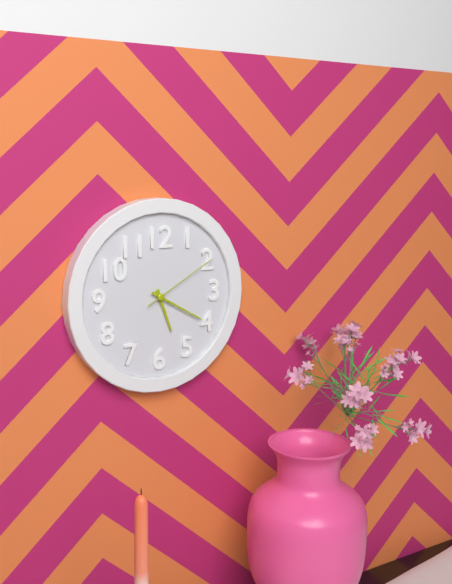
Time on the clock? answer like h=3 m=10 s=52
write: h=5 m=20 s=10
